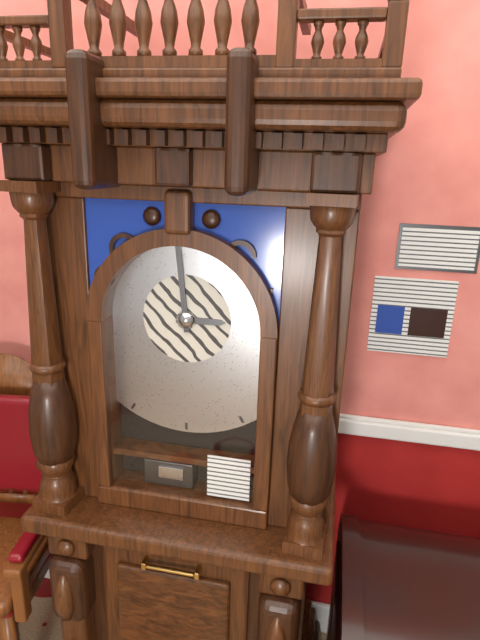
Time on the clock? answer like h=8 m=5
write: h=2 m=59
